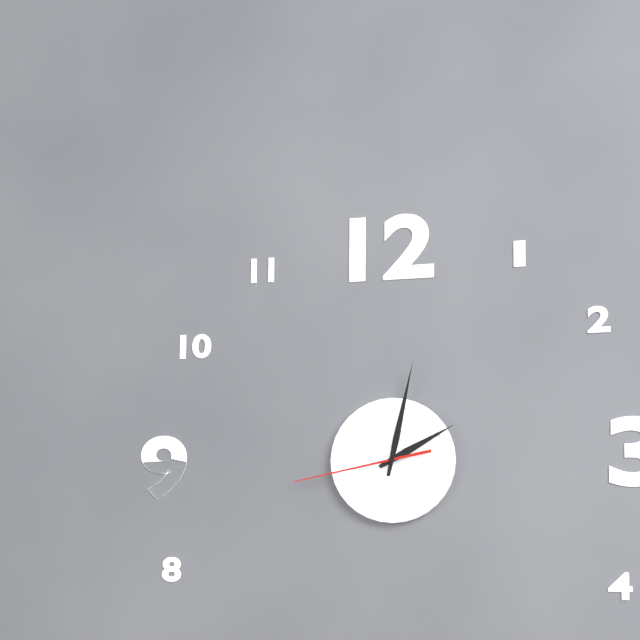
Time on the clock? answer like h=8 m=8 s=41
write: h=2 m=2 s=43
